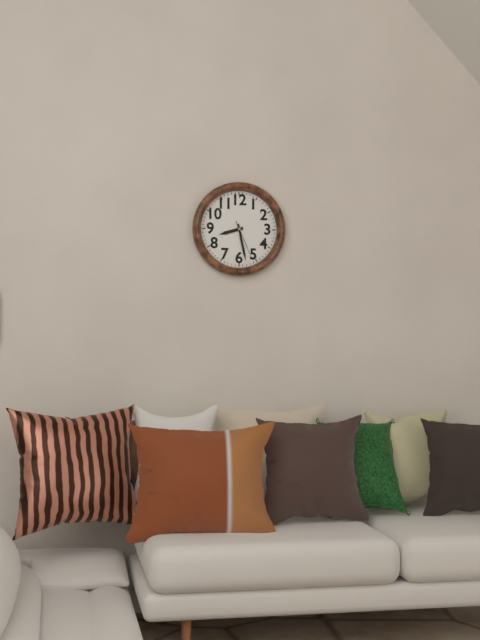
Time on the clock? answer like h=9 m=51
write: h=8 m=28
